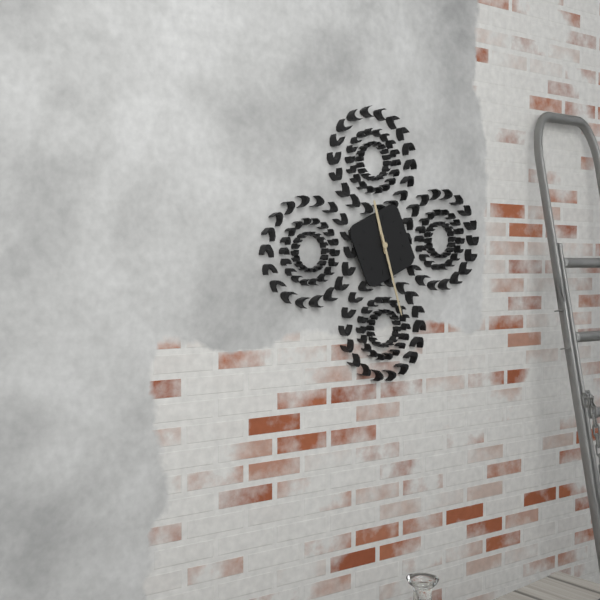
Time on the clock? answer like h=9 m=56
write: h=11 m=27
